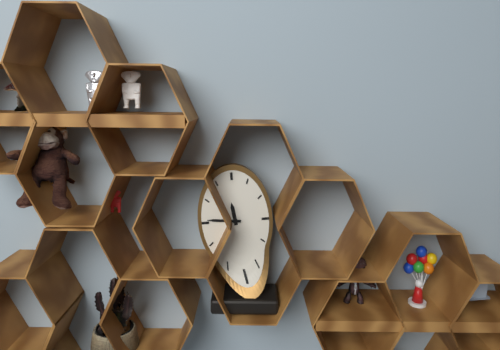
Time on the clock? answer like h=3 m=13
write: h=11 m=46
